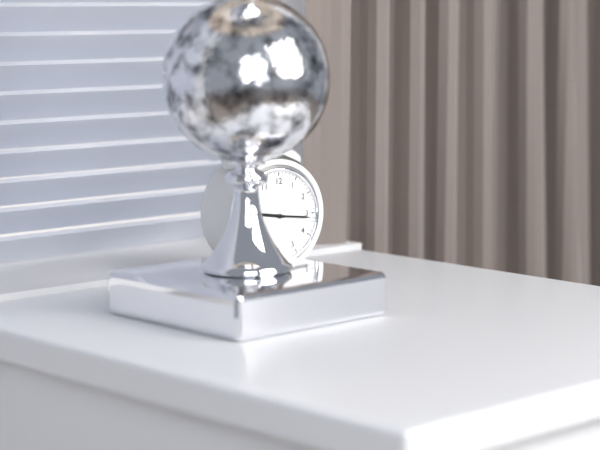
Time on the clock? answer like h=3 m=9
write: h=9 m=16
